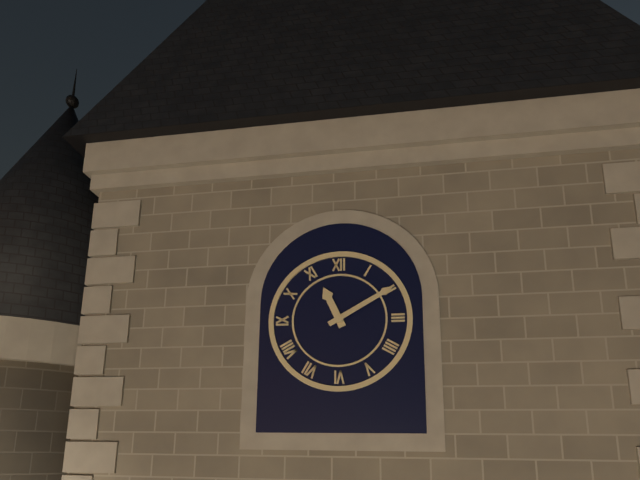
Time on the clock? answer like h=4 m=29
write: h=11 m=10
